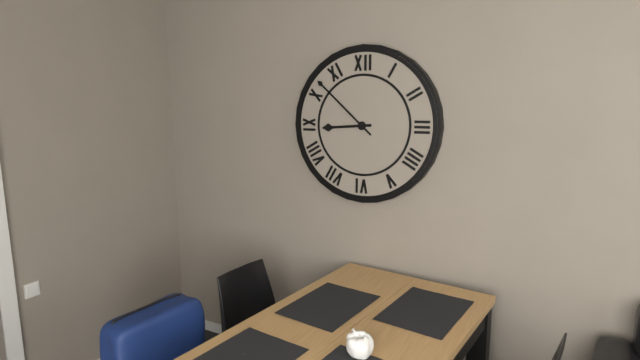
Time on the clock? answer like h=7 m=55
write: h=8 m=52
